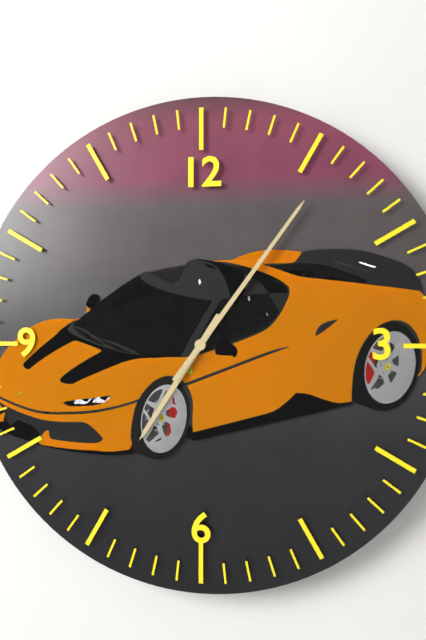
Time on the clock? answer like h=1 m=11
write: h=7 m=6
